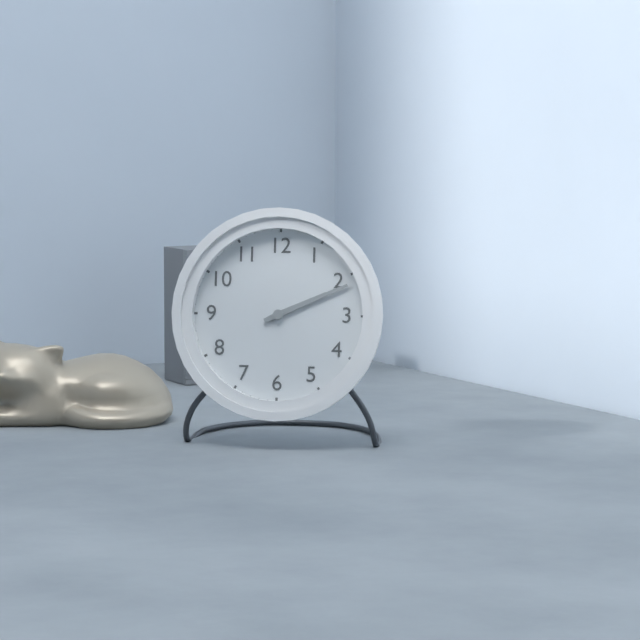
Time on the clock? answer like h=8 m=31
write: h=2 m=11
